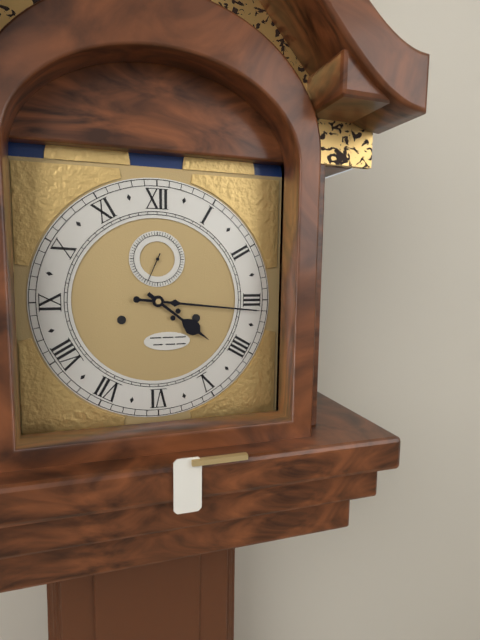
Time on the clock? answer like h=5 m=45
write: h=4 m=16
